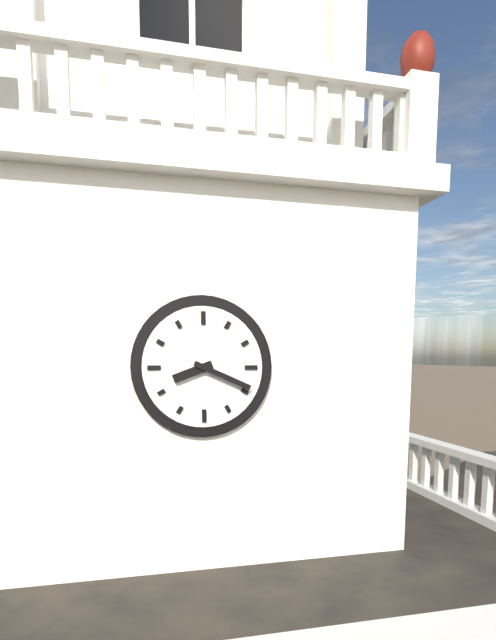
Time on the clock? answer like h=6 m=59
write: h=8 m=19
